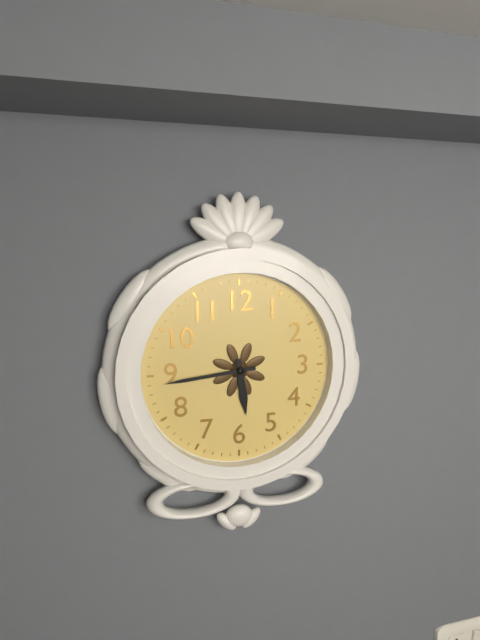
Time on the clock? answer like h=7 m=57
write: h=5 m=44
